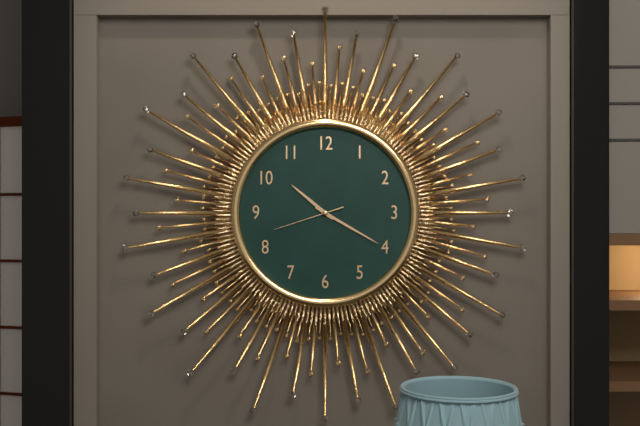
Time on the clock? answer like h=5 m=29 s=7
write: h=10 m=20 s=42
